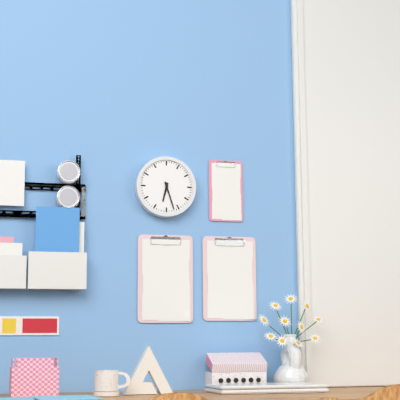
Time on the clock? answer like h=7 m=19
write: h=6 m=27
